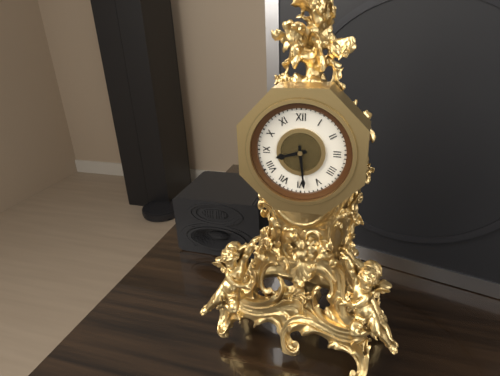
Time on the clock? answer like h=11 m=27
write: h=8 m=29
